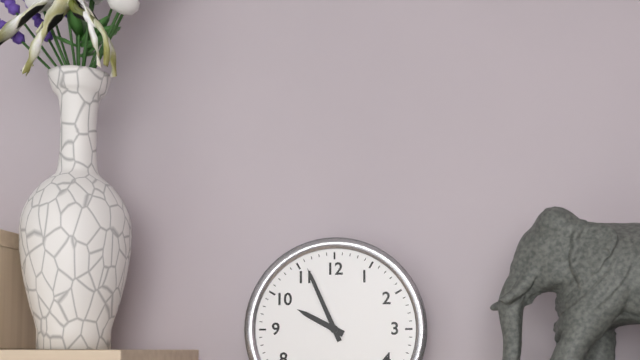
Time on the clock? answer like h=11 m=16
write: h=9 m=56
